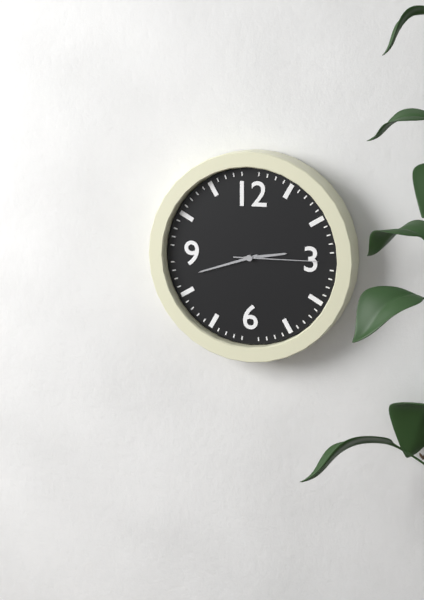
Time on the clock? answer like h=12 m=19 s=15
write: h=2 m=42 s=15
